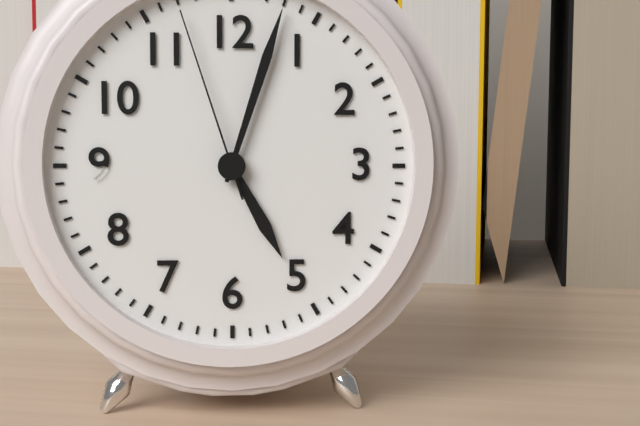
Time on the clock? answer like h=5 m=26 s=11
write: h=5 m=3 s=57
